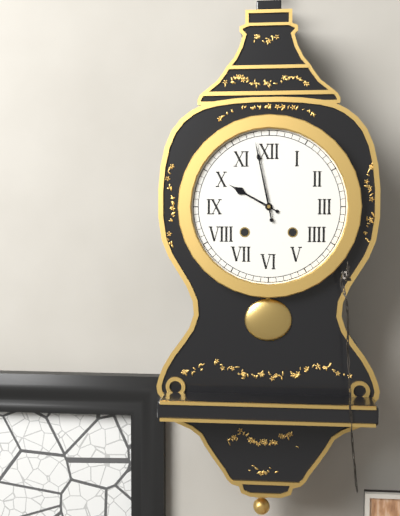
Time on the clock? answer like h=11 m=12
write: h=9 m=58
